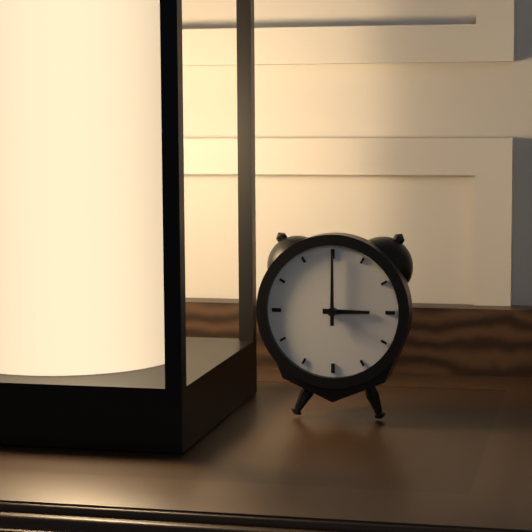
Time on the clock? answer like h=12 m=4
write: h=3 m=0
